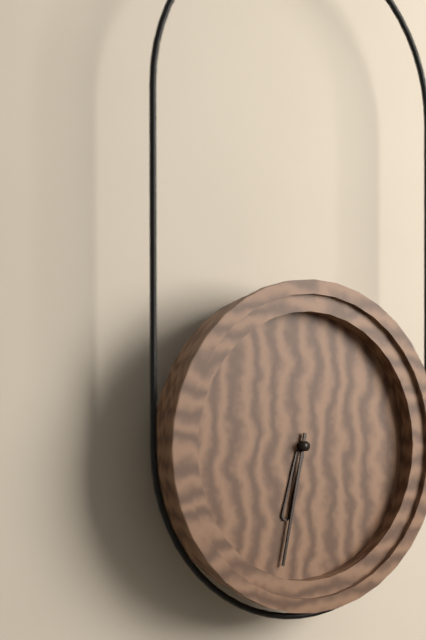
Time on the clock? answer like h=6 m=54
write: h=6 m=32
